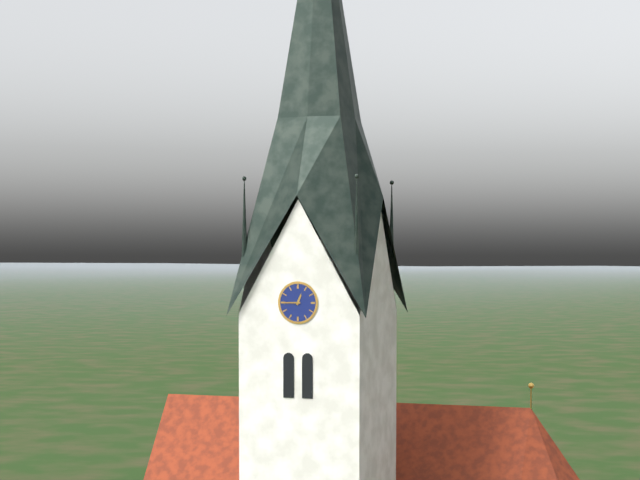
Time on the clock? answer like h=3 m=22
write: h=12 m=45
